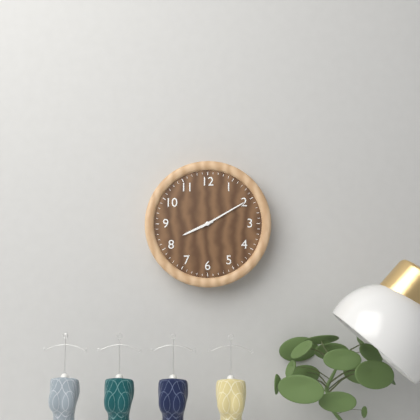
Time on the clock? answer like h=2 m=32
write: h=8 m=10
